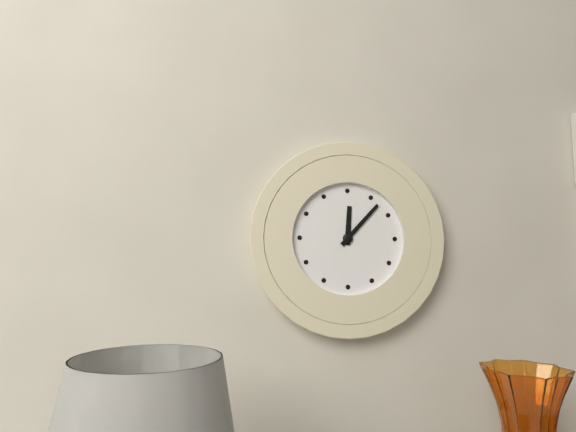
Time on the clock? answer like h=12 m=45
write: h=12 m=7
